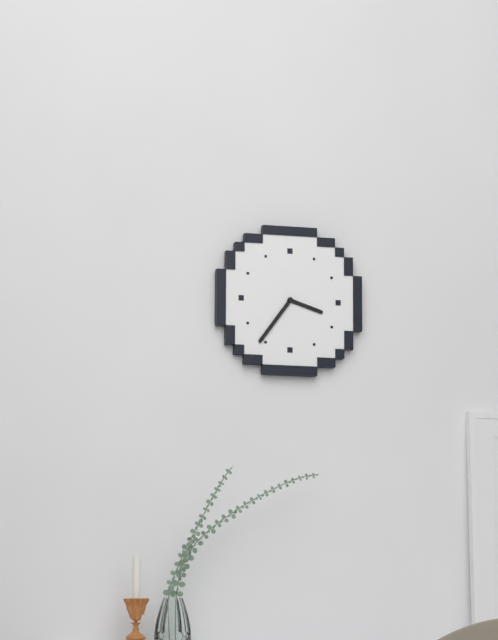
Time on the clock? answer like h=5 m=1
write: h=3 m=36
